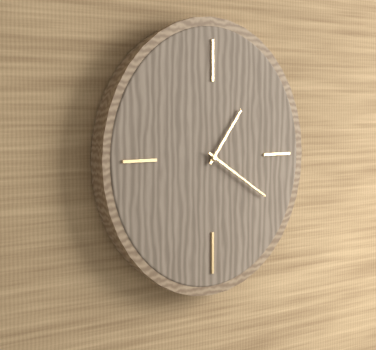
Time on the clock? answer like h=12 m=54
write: h=1 m=20
